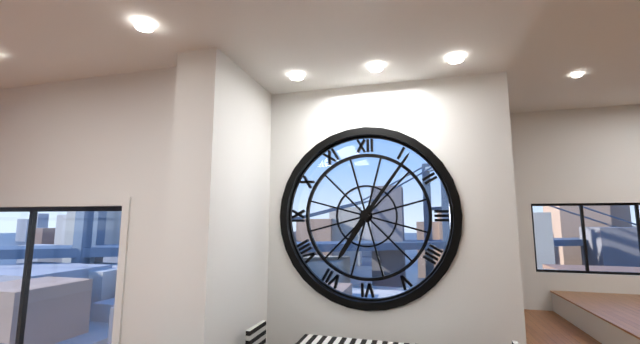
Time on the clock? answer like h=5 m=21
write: h=7 m=6
